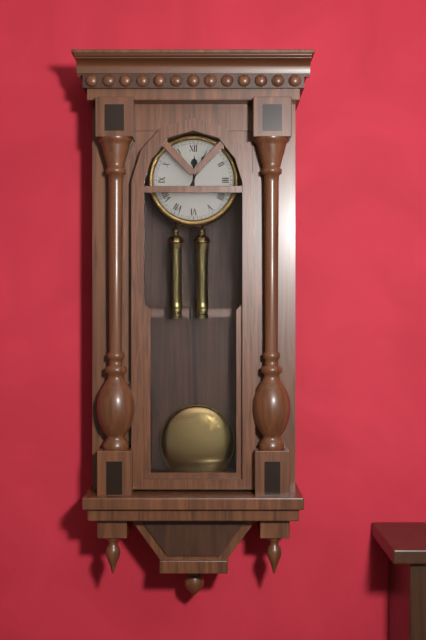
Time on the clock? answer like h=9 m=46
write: h=12 m=4
